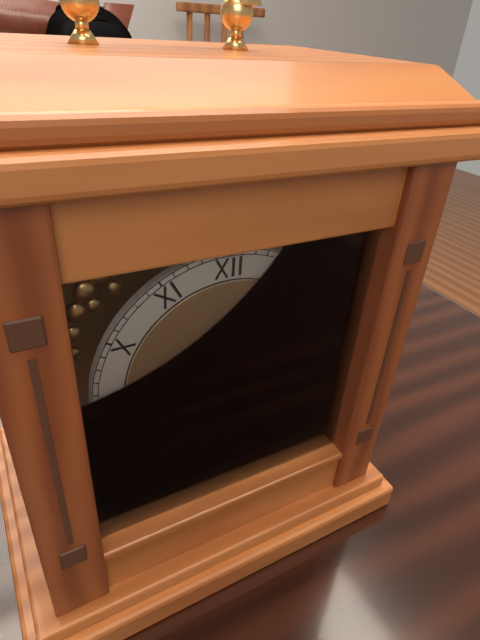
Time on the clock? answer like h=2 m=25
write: h=2 m=45
